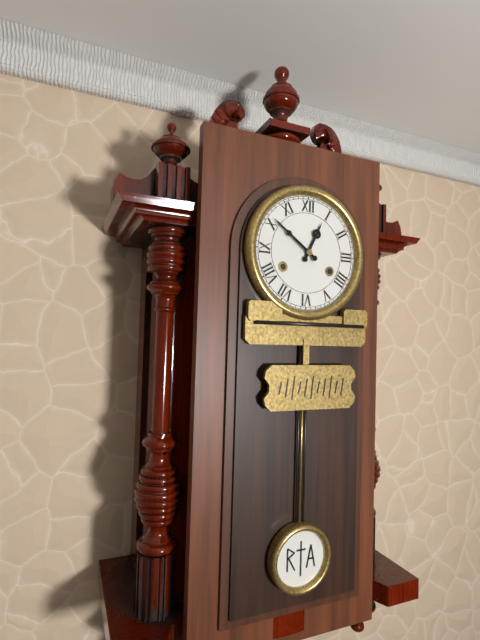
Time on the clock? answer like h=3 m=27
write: h=12 m=51
